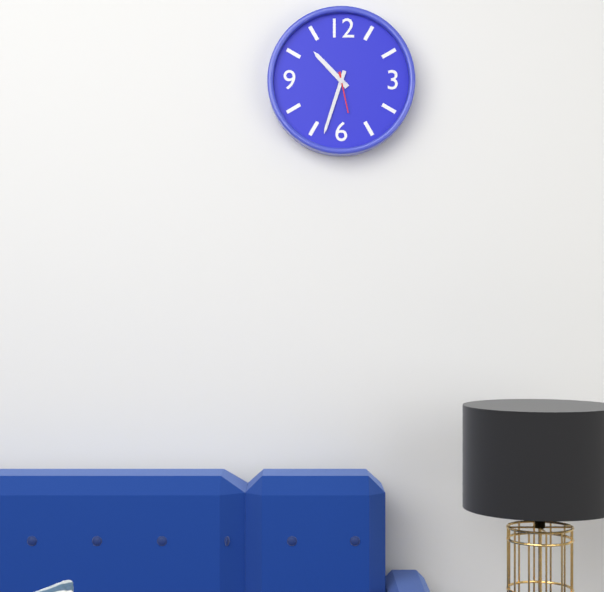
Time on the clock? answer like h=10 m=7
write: h=10 m=33
